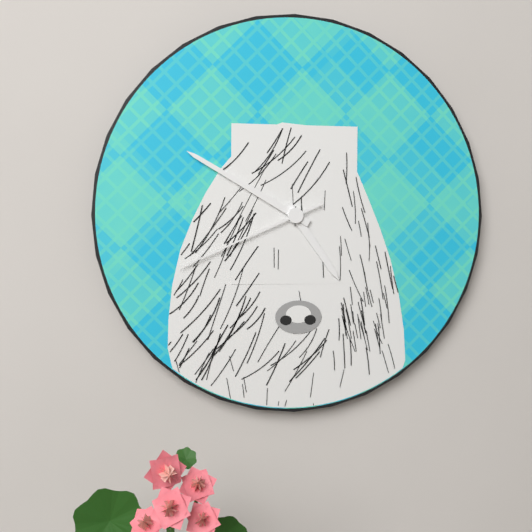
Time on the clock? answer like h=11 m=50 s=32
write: h=4 m=50 s=41
